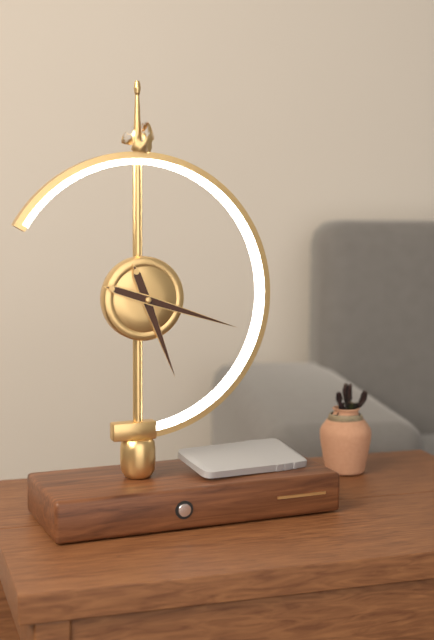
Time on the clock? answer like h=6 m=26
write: h=5 m=18
